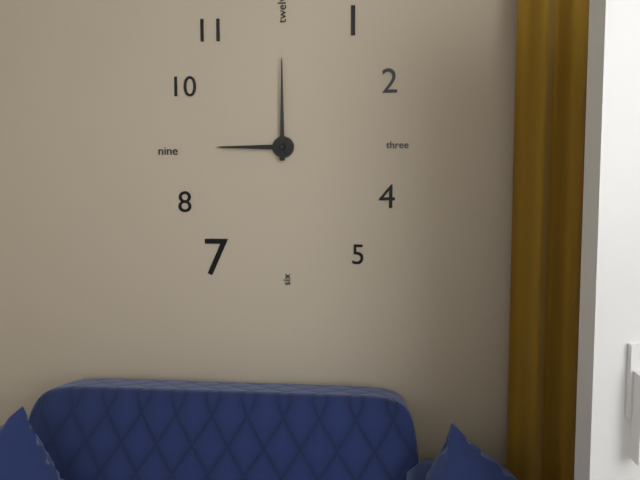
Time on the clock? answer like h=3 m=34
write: h=9 m=0
